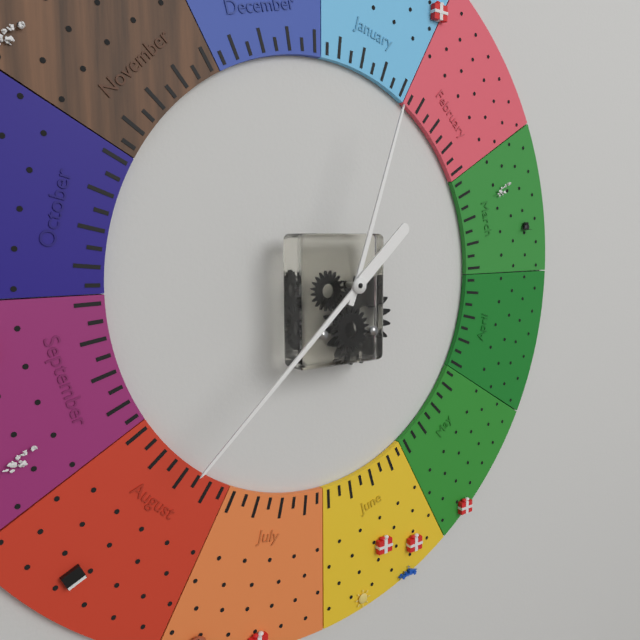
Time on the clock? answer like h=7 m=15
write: h=12 m=38
